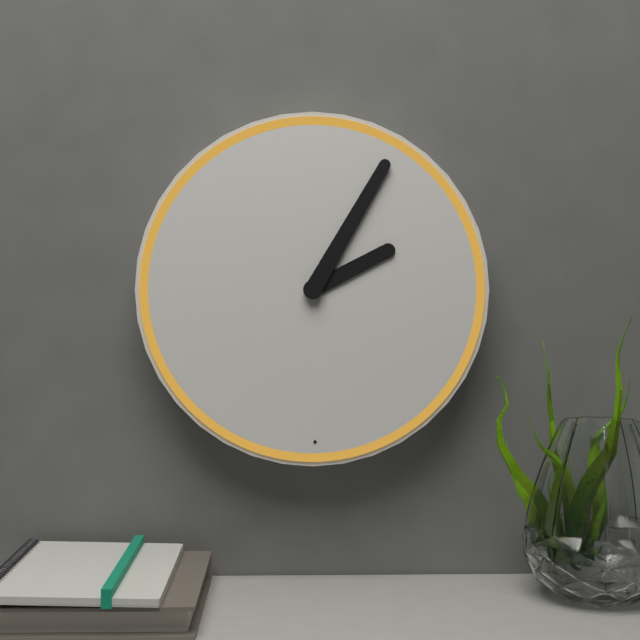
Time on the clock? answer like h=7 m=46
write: h=2 m=5
